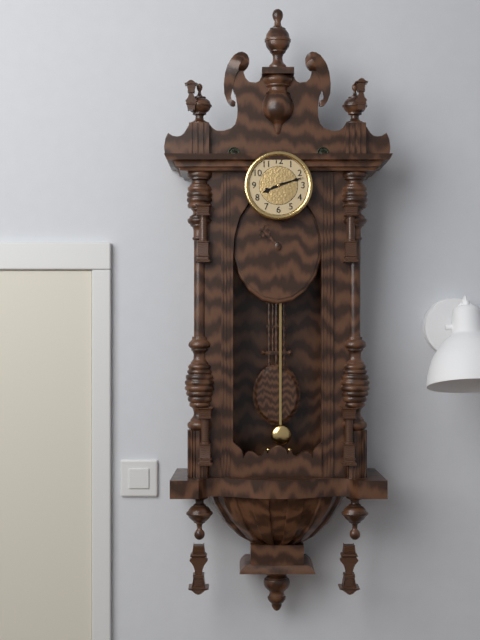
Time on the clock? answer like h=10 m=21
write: h=8 m=12
